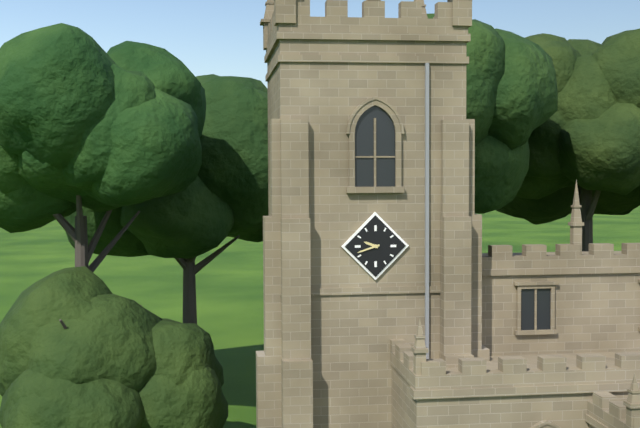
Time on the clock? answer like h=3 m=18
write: h=9 m=42
